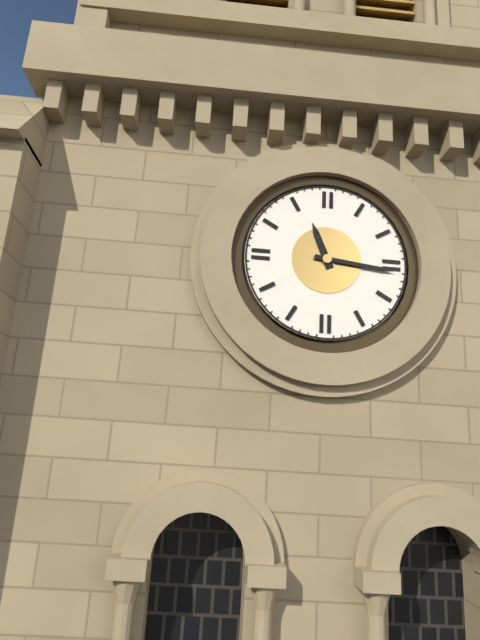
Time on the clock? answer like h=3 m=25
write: h=11 m=16
